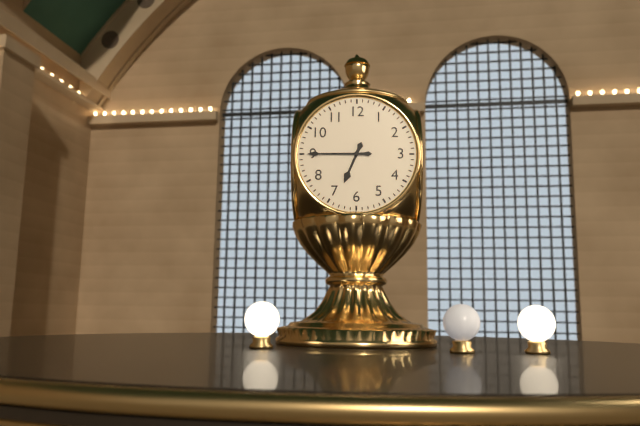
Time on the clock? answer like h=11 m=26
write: h=6 m=45
